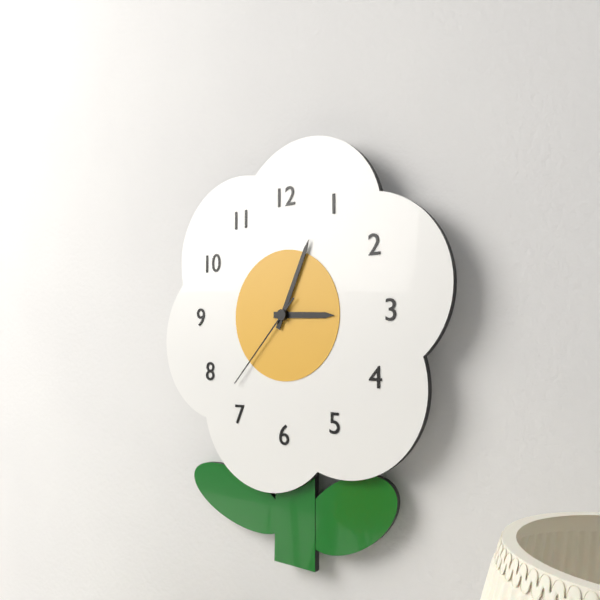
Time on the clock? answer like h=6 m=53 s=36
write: h=3 m=4 s=37
